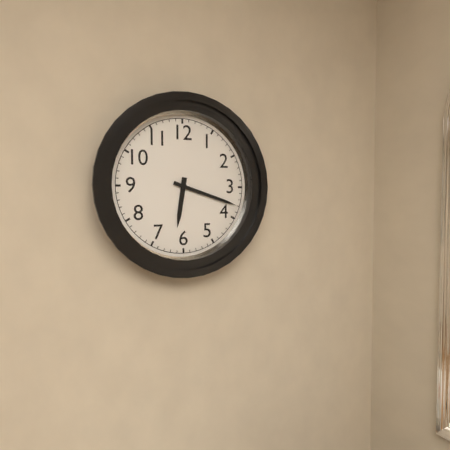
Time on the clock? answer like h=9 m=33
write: h=6 m=18
